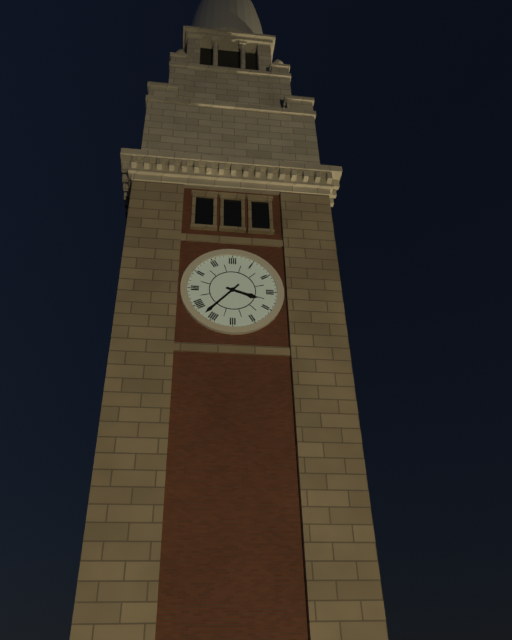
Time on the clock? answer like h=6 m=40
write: h=3 m=37
